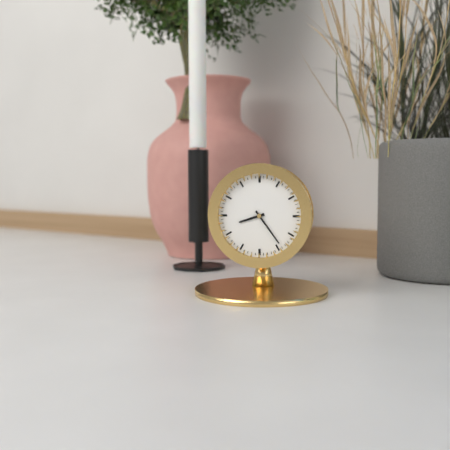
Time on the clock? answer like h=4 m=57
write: h=8 m=24
